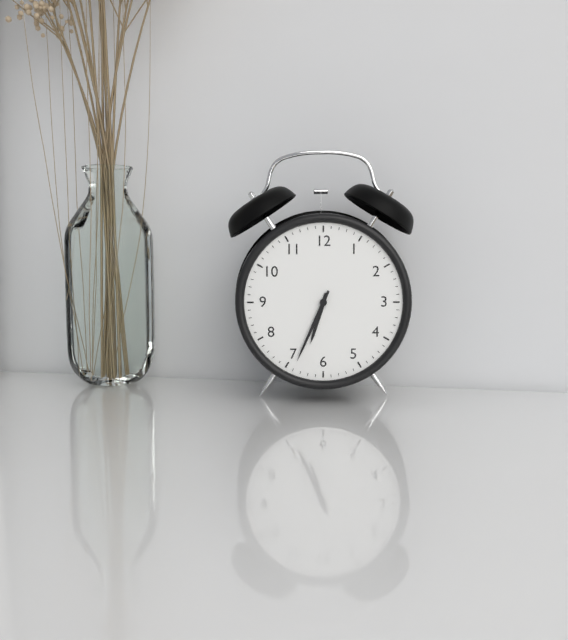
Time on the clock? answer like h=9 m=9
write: h=6 m=34
